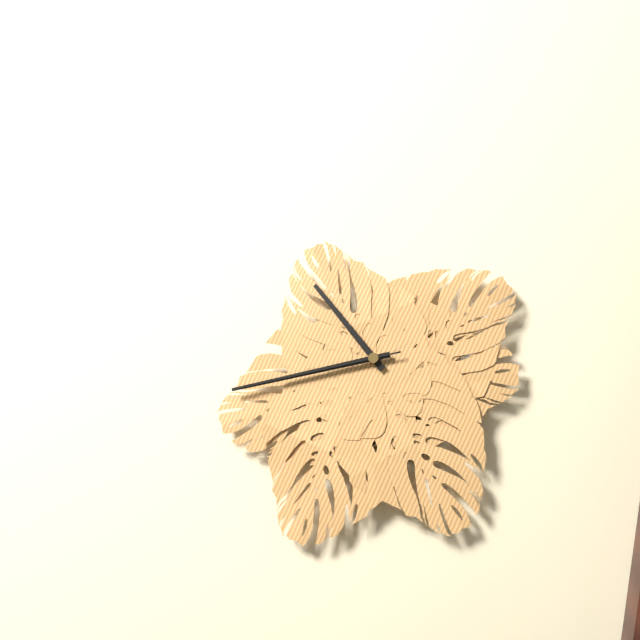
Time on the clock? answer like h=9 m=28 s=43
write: h=10 m=43 s=43
